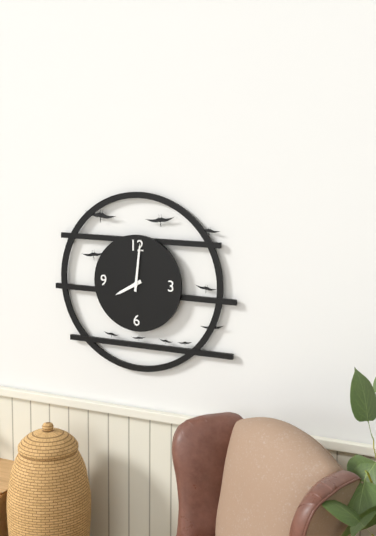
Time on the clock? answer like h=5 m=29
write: h=8 m=1
